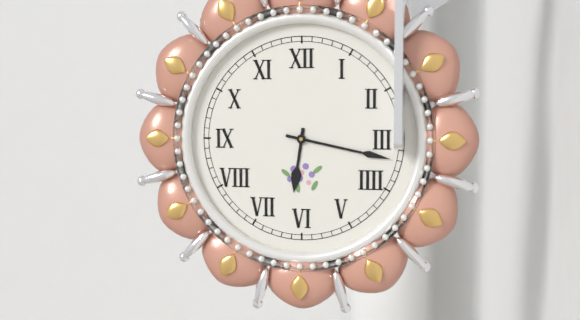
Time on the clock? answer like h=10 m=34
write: h=6 m=17
